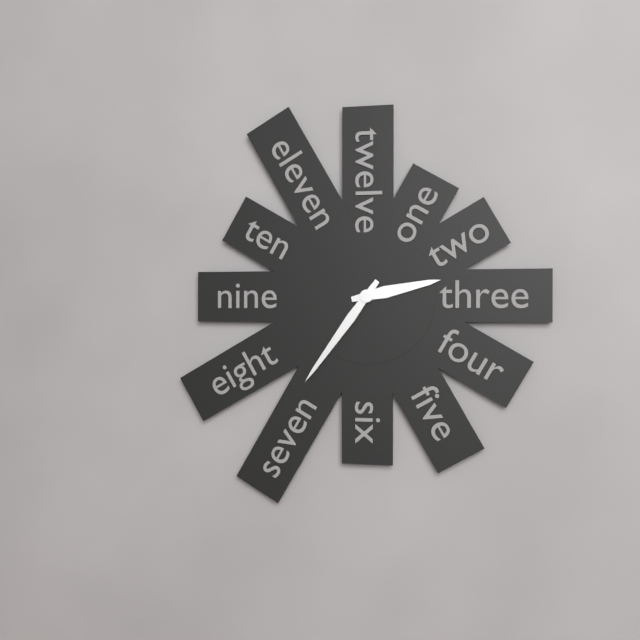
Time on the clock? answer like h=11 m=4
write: h=2 m=36
